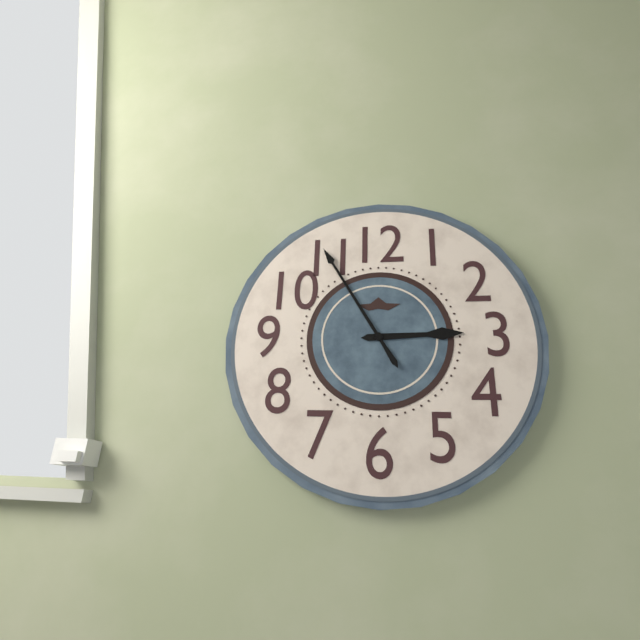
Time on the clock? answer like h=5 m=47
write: h=2 m=55
